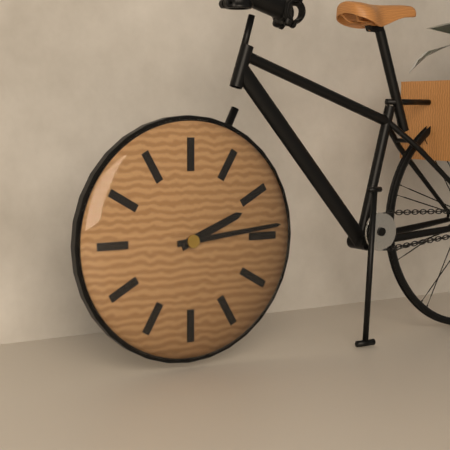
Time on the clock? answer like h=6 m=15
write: h=2 m=14
